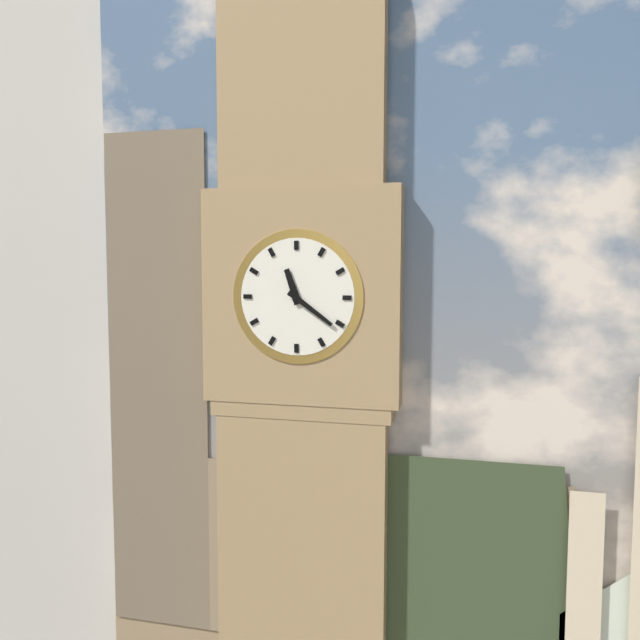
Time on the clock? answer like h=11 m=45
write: h=11 m=21
